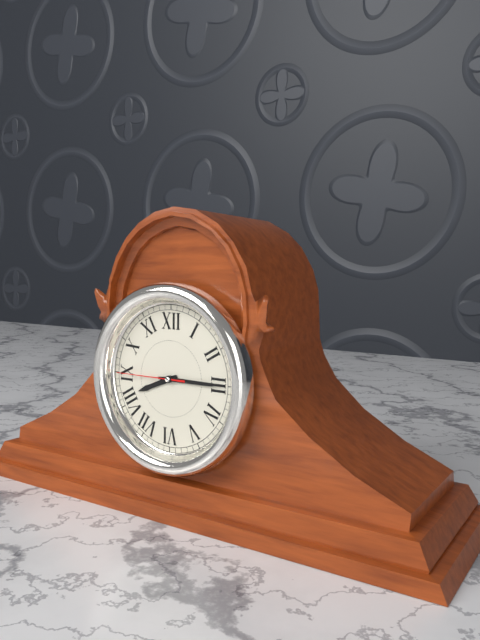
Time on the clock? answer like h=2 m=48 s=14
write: h=8 m=15 s=45
